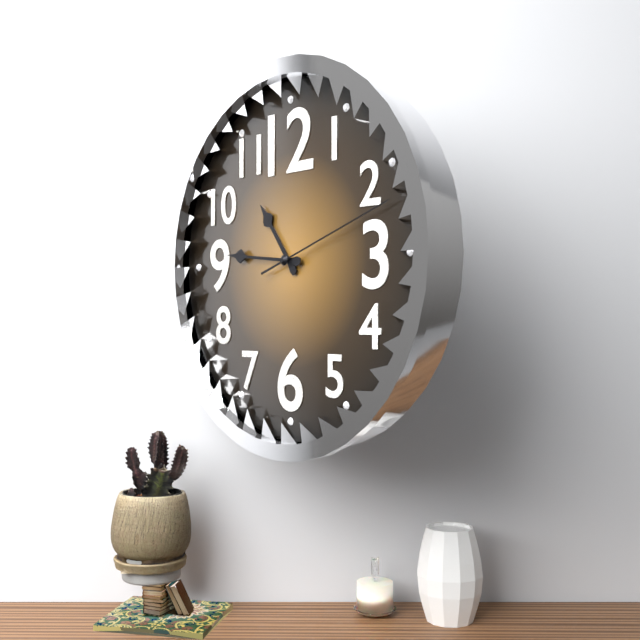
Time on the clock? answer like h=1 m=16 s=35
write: h=10 m=46 s=12
